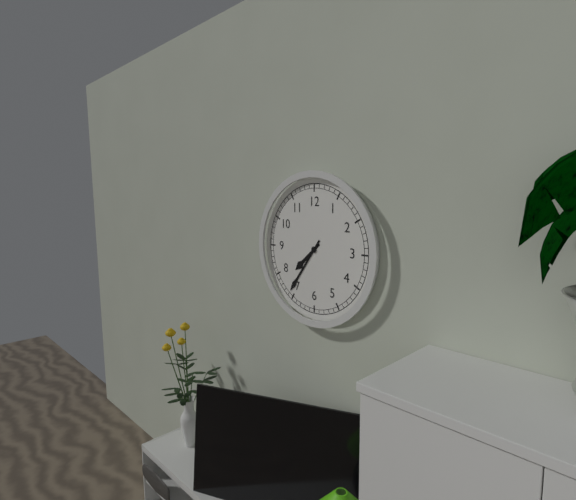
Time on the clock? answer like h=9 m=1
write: h=7 m=36
